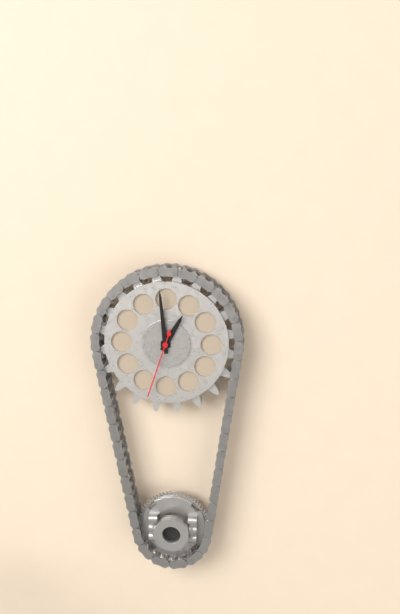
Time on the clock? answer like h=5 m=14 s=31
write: h=12 m=59 s=33
